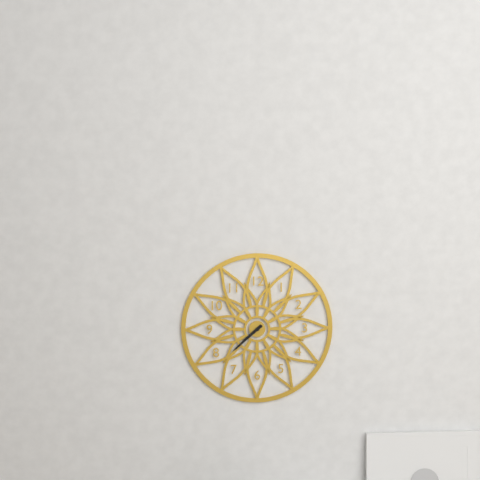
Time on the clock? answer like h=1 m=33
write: h=7 m=38
